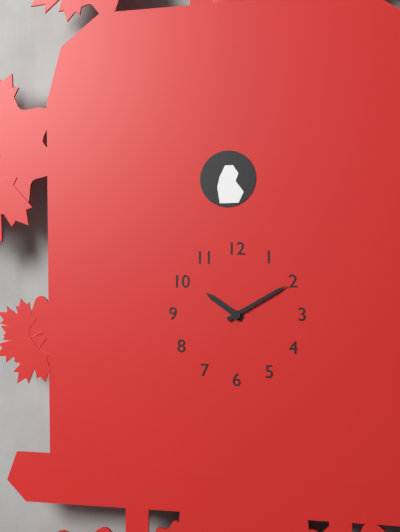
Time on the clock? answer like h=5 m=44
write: h=10 m=10
